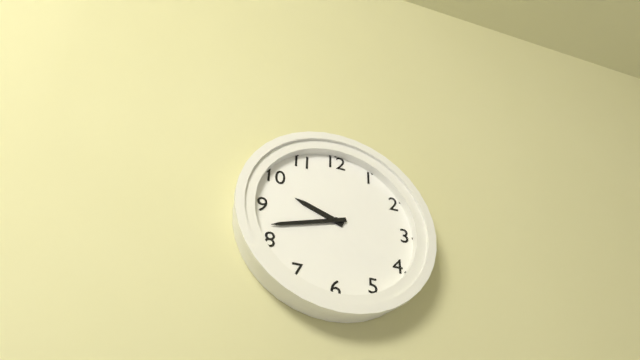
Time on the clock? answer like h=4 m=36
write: h=9 m=42
